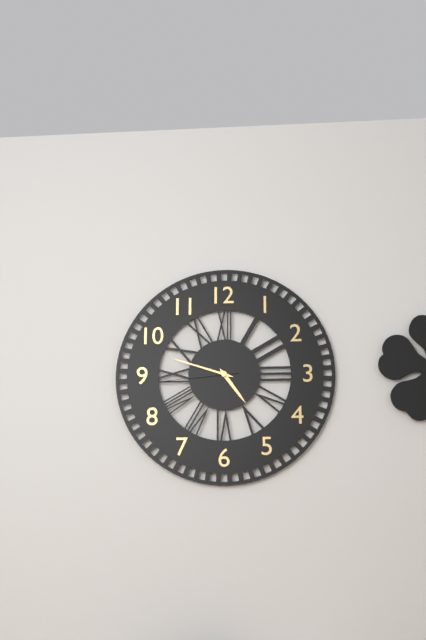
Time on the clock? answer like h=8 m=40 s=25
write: h=4 m=48 s=44
